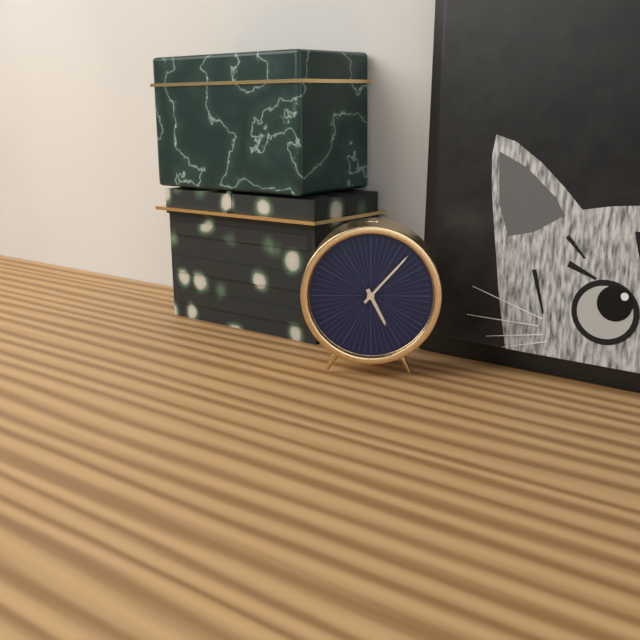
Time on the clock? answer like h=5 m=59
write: h=5 m=7
